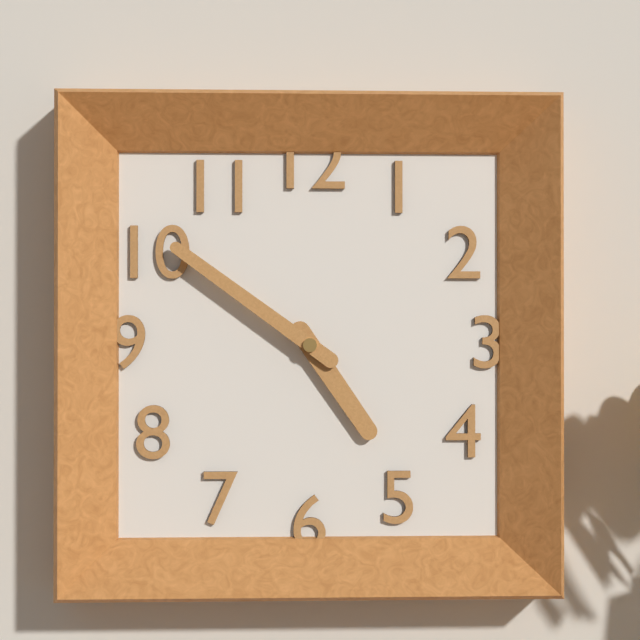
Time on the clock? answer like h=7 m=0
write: h=4 m=51
